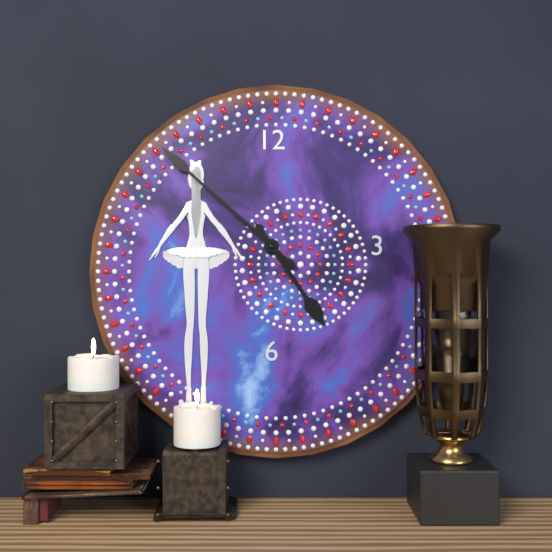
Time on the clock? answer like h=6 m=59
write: h=4 m=52
